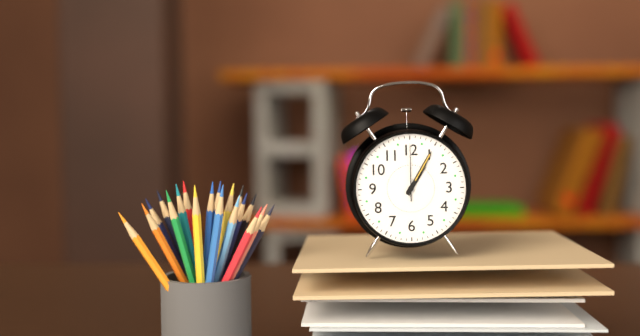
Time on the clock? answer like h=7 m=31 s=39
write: h=1 m=5 s=0
